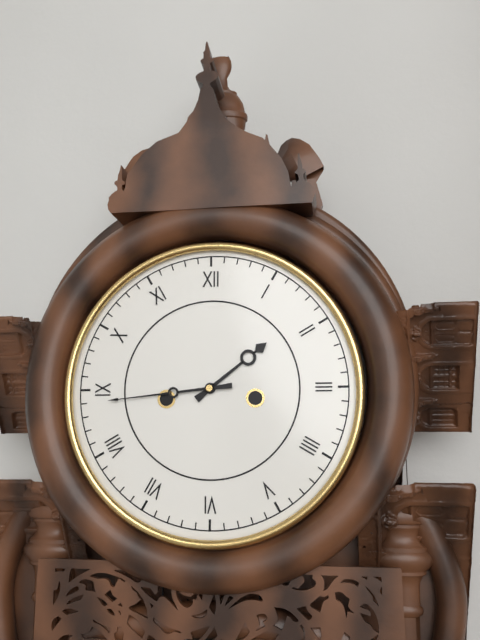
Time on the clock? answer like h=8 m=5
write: h=1 m=44
